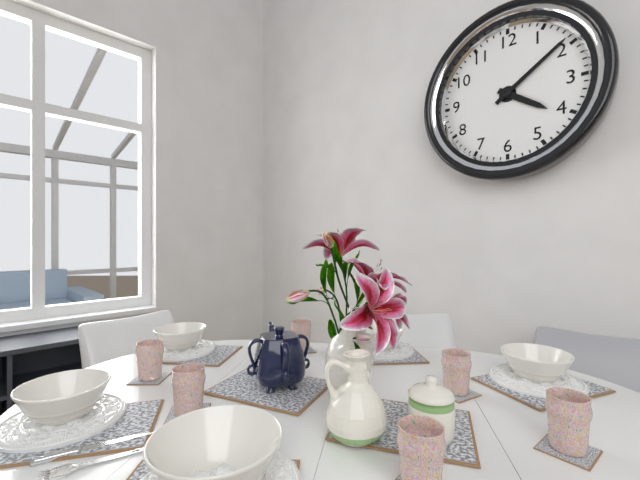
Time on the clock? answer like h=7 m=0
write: h=4 m=9
